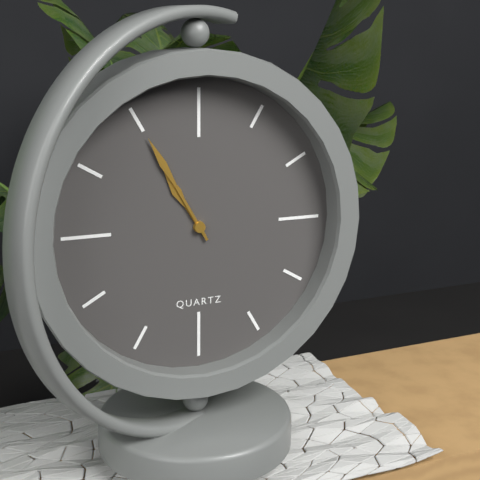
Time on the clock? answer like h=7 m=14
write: h=10 m=55
